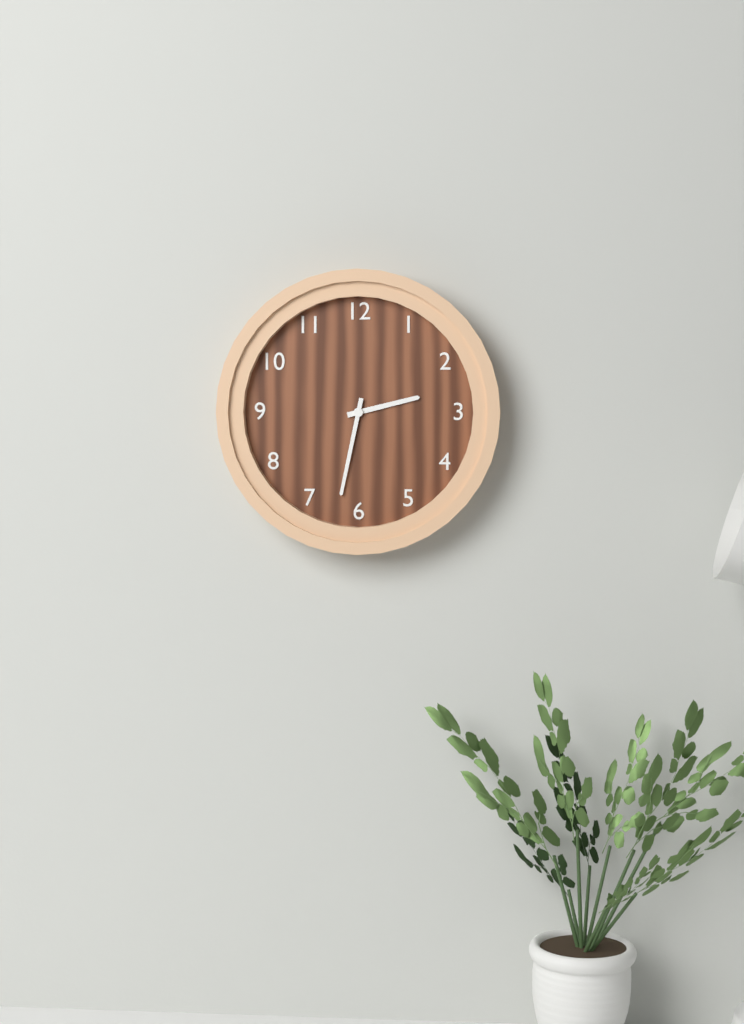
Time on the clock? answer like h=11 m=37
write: h=2 m=32
